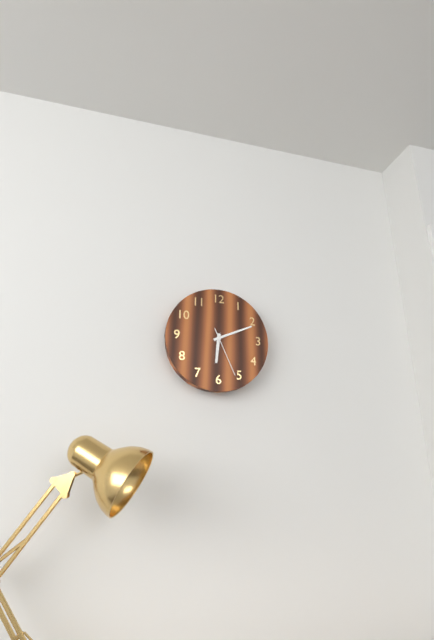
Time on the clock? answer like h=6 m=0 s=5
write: h=6 m=11 s=26
